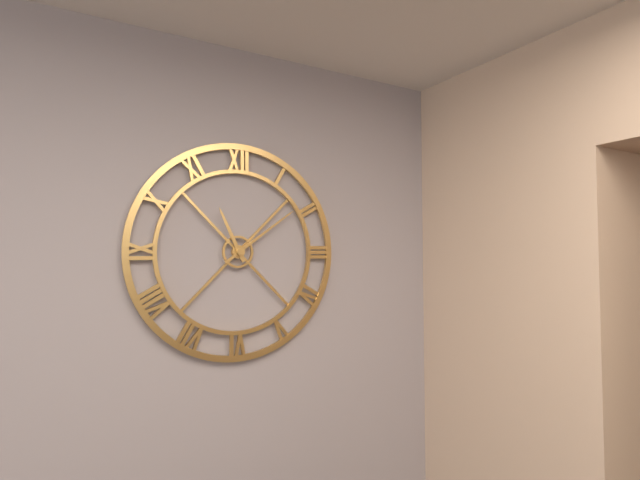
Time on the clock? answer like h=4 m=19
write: h=11 m=9
